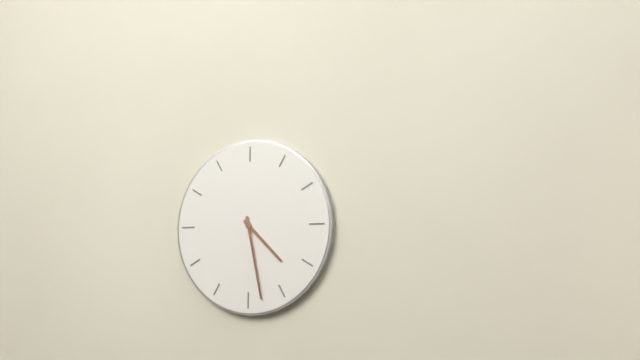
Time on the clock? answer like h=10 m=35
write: h=4 m=28
